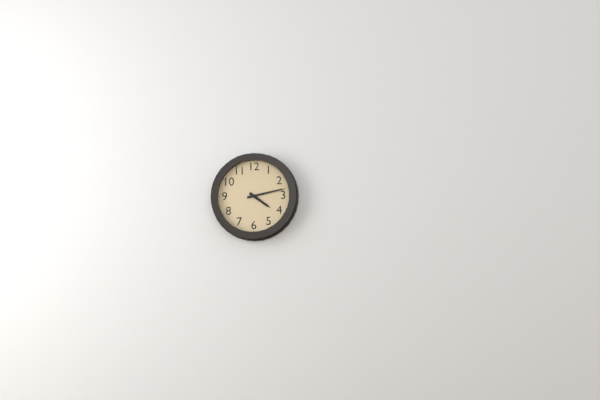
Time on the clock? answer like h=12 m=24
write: h=4 m=13
